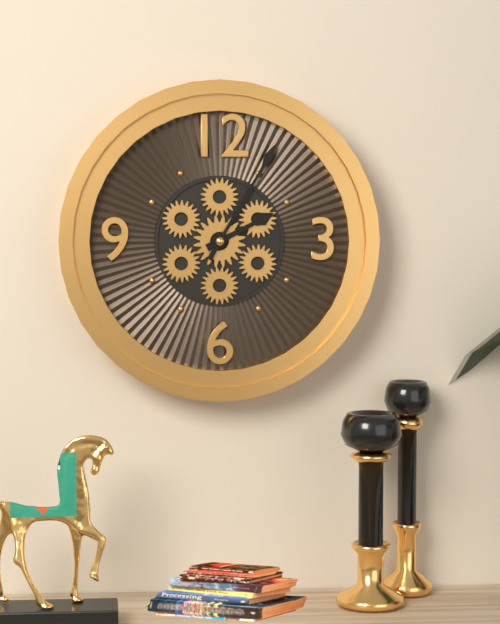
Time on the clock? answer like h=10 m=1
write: h=2 m=5
